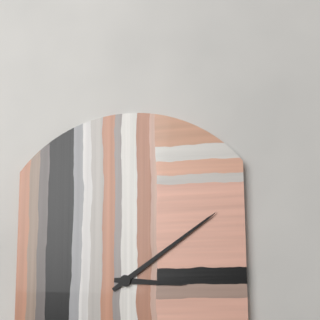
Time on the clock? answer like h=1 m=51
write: h=3 m=9
